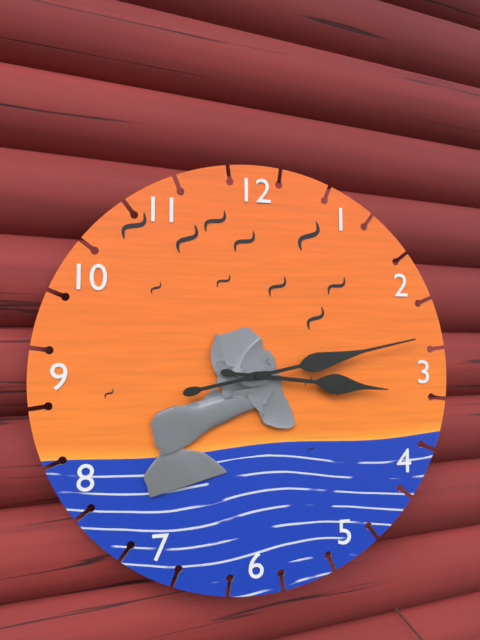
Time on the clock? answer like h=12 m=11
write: h=3 m=13
